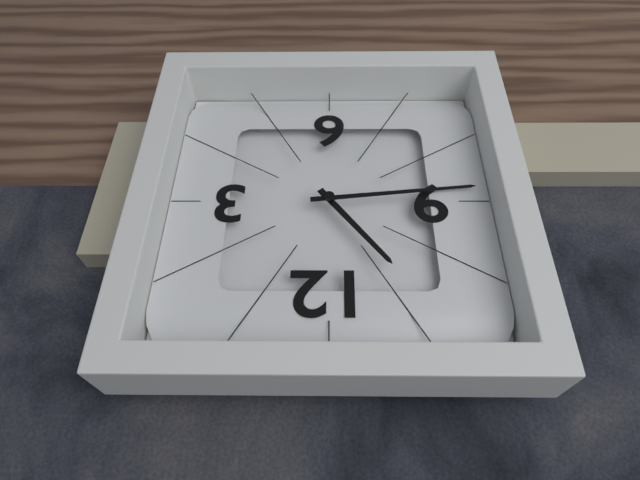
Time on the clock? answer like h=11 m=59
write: h=10 m=44
